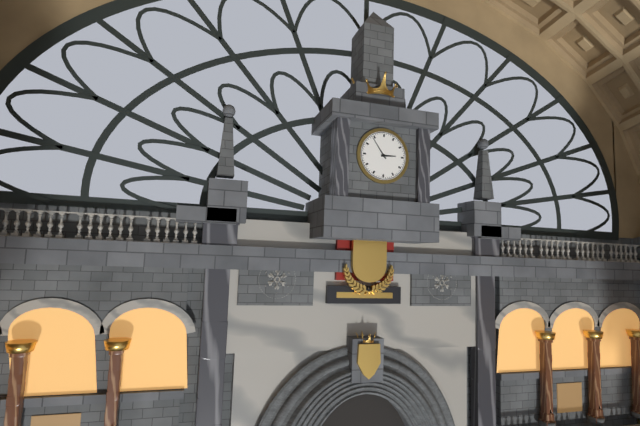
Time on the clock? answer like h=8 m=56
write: h=2 m=54
